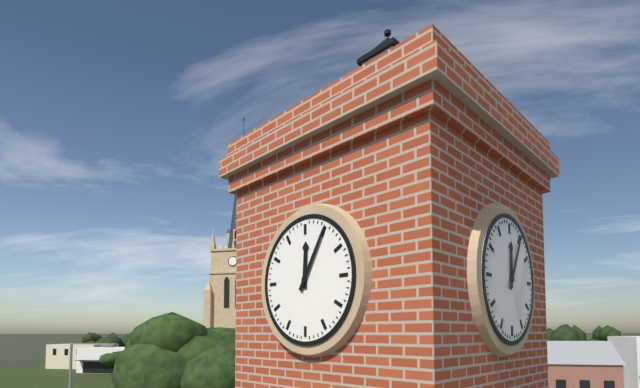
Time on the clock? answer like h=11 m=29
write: h=12 m=5
